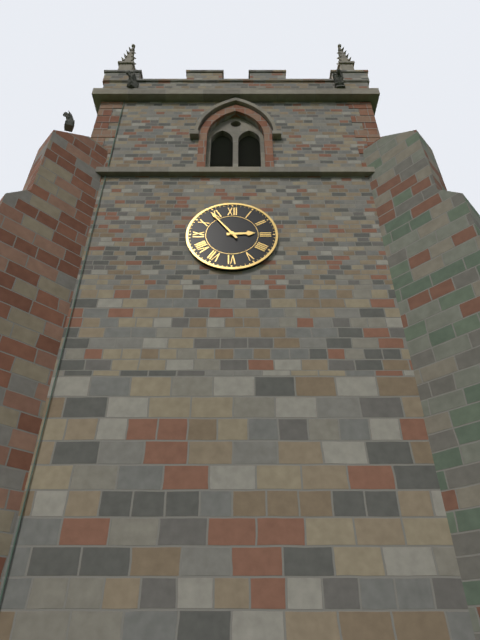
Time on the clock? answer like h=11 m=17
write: h=2 m=54
